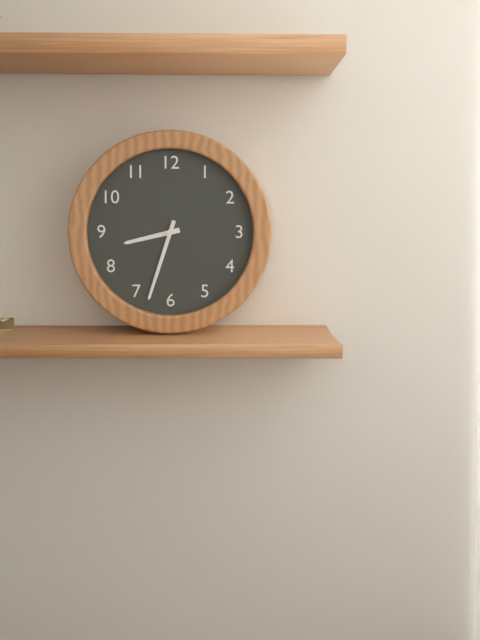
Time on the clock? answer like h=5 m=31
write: h=8 m=33
